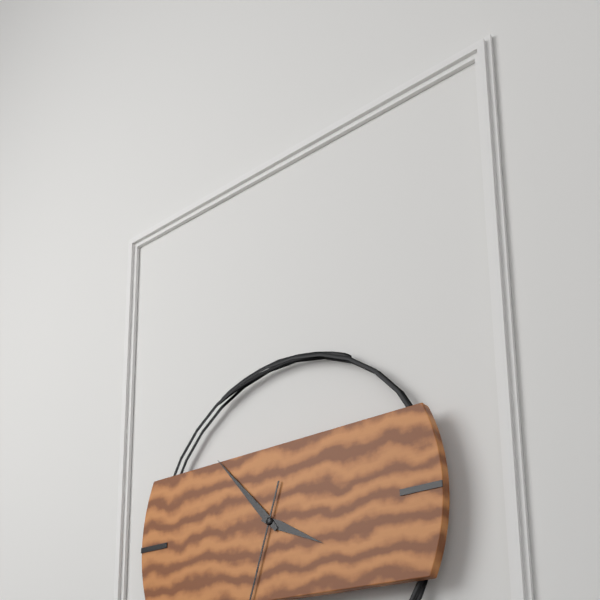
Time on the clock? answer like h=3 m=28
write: h=3 m=53
